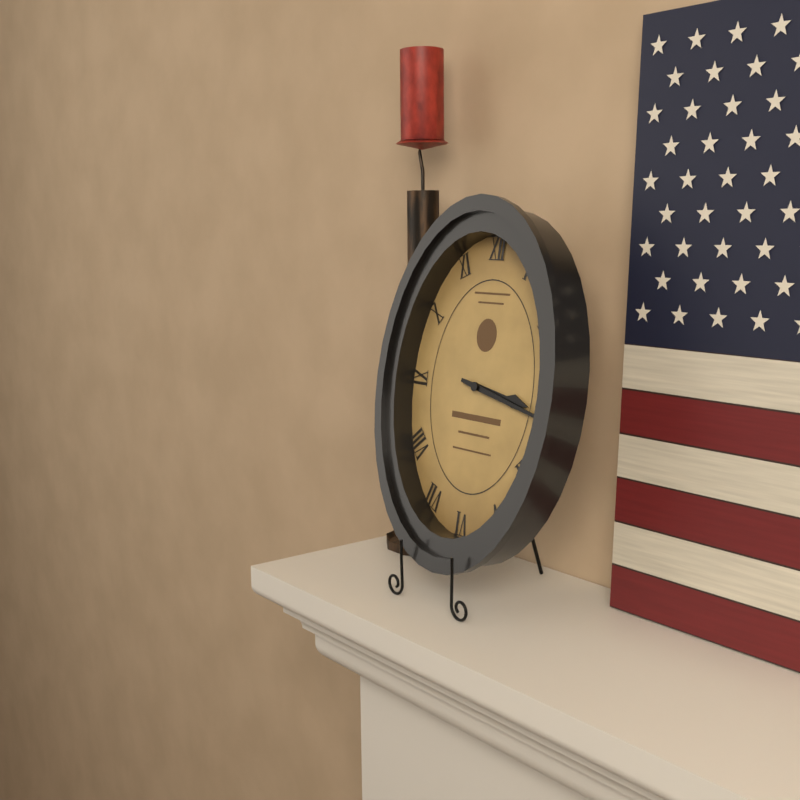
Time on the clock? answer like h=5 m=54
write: h=3 m=17
